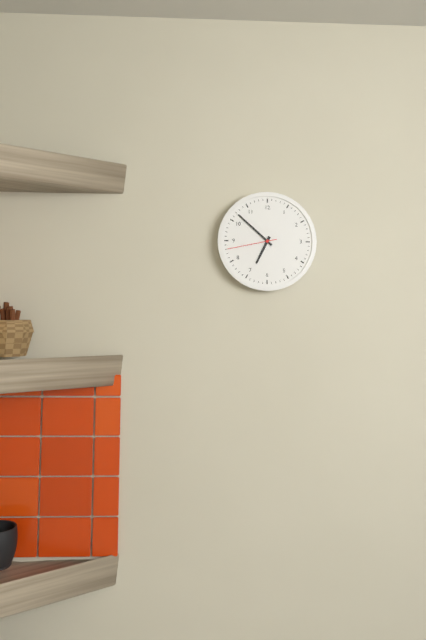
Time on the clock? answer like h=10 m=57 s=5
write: h=6 m=52 s=43
